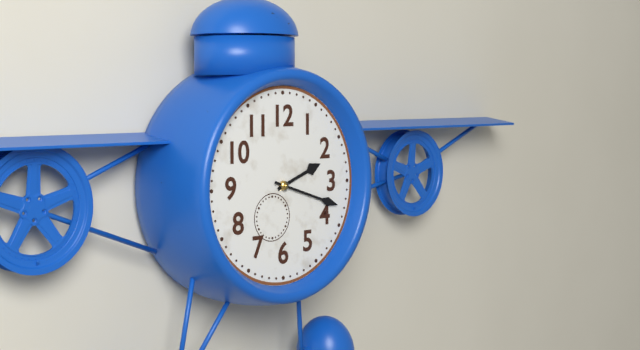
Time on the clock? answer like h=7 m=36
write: h=2 m=18
